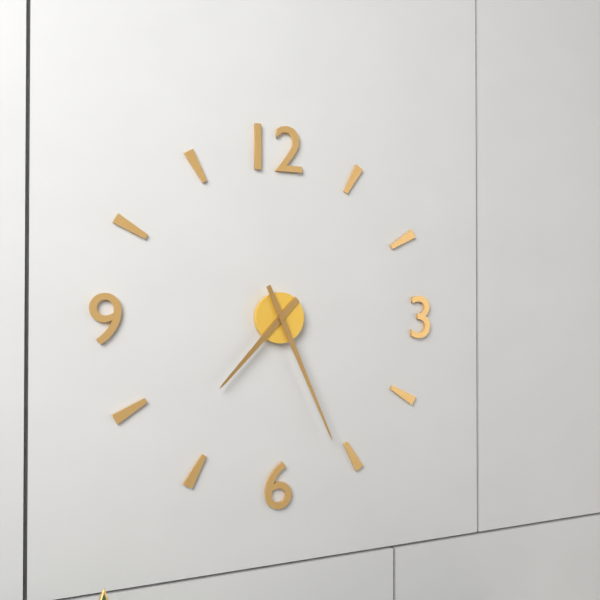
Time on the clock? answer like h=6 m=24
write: h=7 m=26
